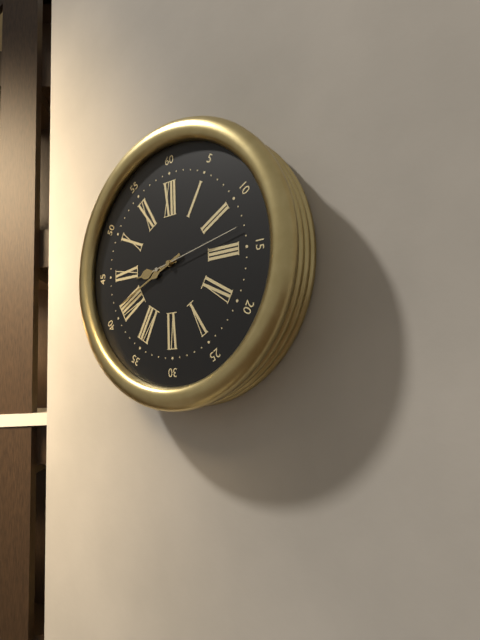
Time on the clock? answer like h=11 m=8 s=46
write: h=8 m=41 s=13
